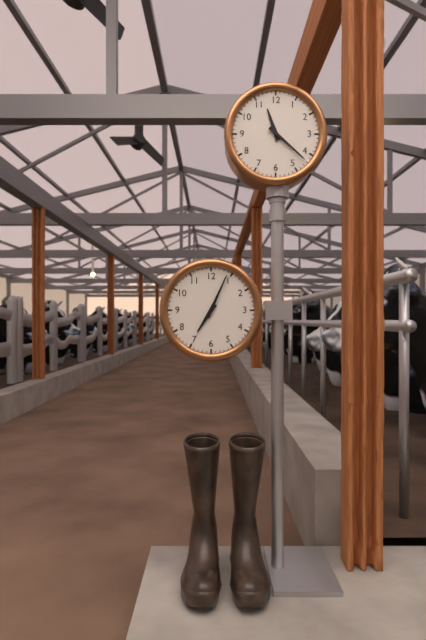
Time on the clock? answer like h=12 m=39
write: h=11 m=22
